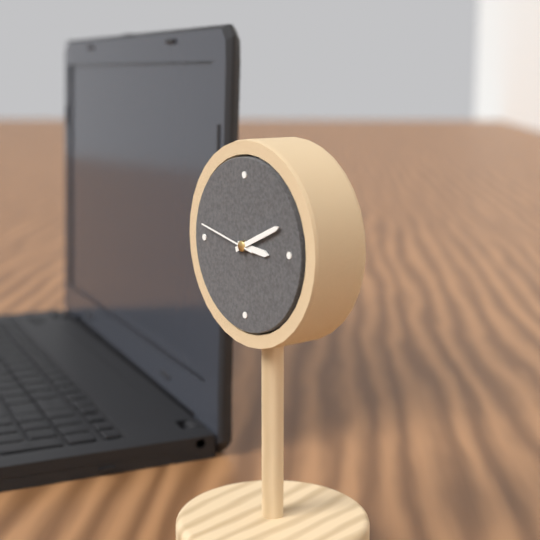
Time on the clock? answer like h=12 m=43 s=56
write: h=3 m=11 s=47
